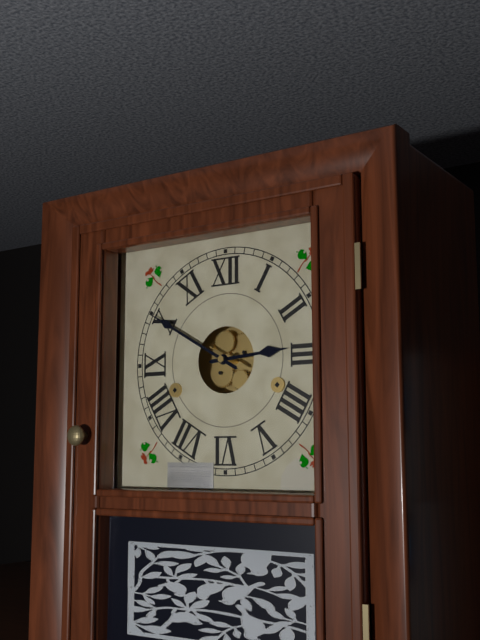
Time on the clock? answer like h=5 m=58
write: h=2 m=50
